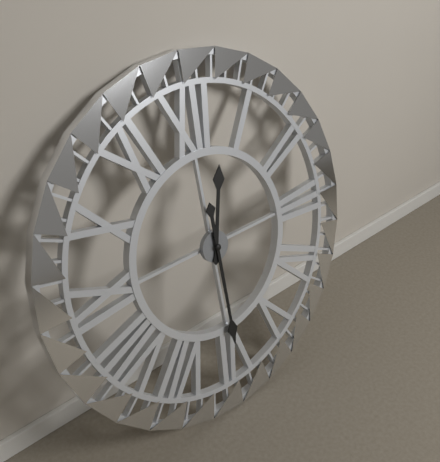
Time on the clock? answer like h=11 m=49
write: h=12 m=30
